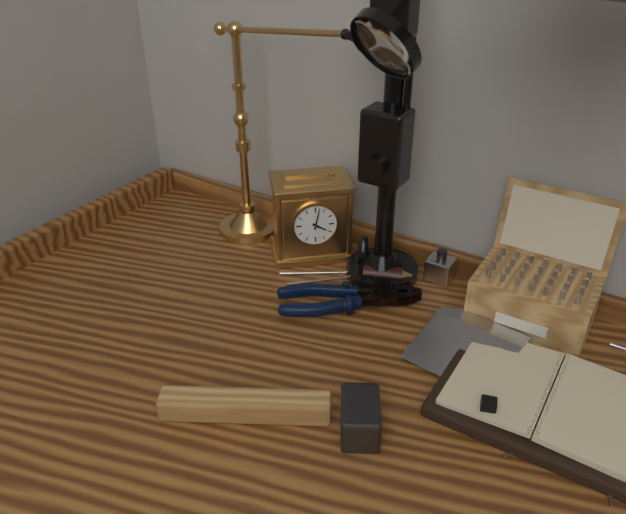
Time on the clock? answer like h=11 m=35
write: h=4 m=2
